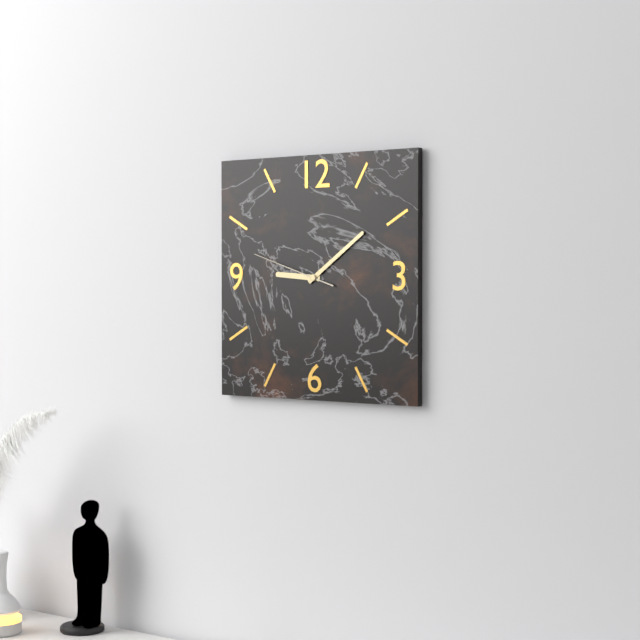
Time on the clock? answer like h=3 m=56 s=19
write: h=9 m=9 s=48
